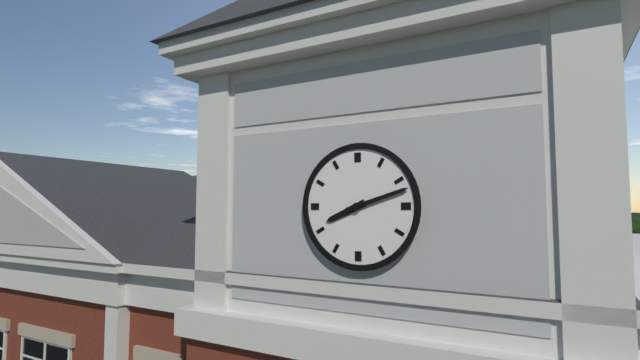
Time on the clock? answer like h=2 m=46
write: h=8 m=12
